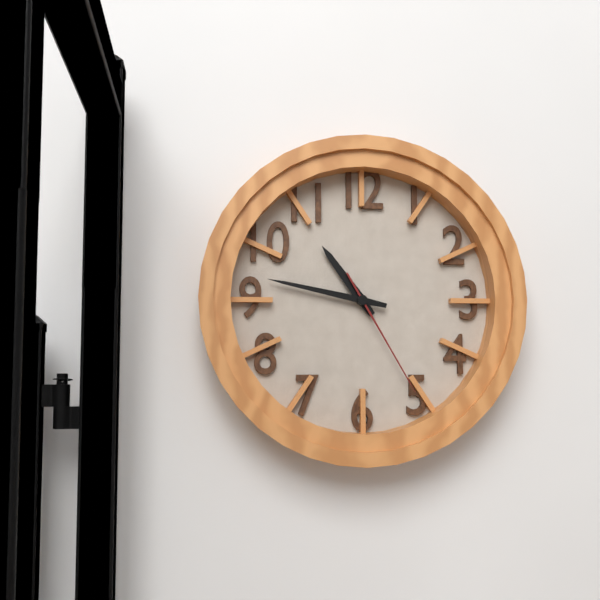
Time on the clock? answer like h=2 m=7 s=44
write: h=10 m=47 s=25
